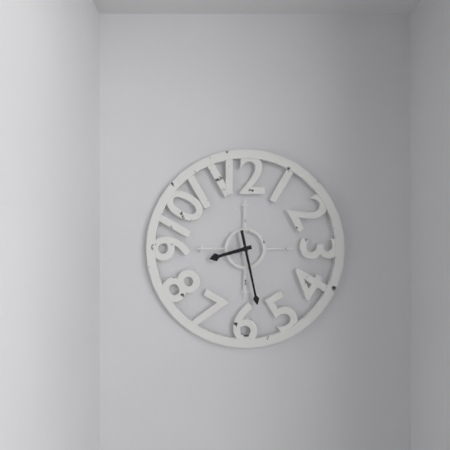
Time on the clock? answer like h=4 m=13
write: h=8 m=28
